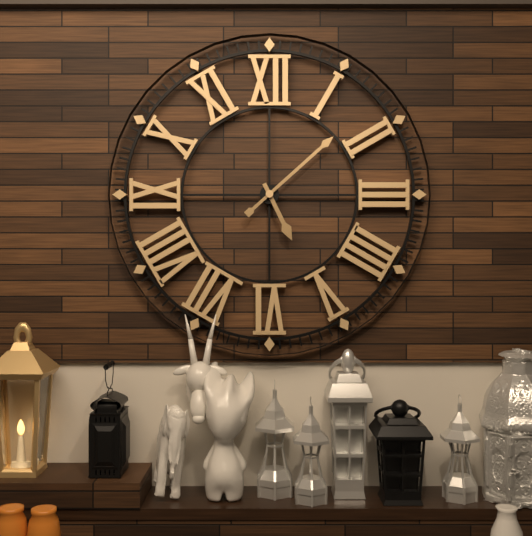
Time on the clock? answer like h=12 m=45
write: h=5 m=8
